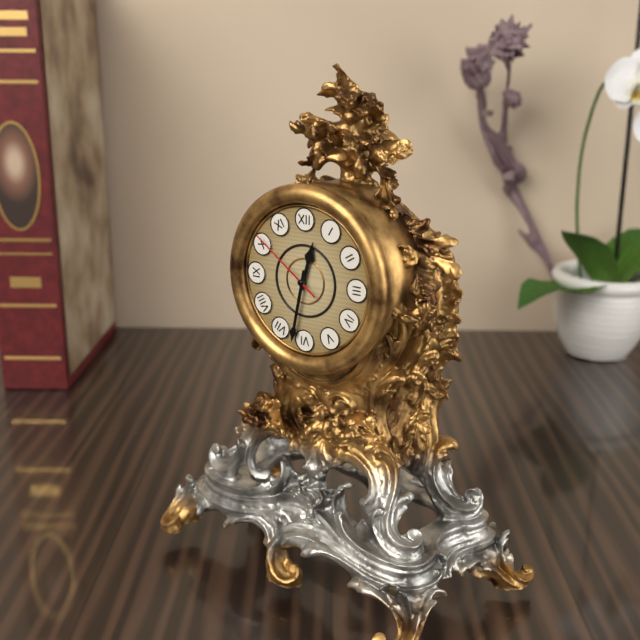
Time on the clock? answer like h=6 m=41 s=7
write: h=12 m=32 s=51
